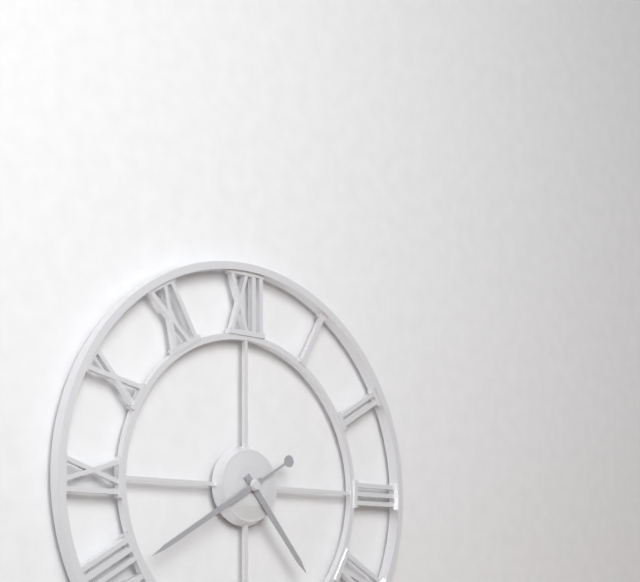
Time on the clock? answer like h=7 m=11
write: h=4 m=40
